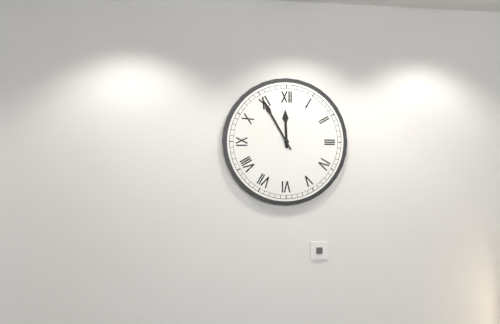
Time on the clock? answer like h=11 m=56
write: h=11 m=55
